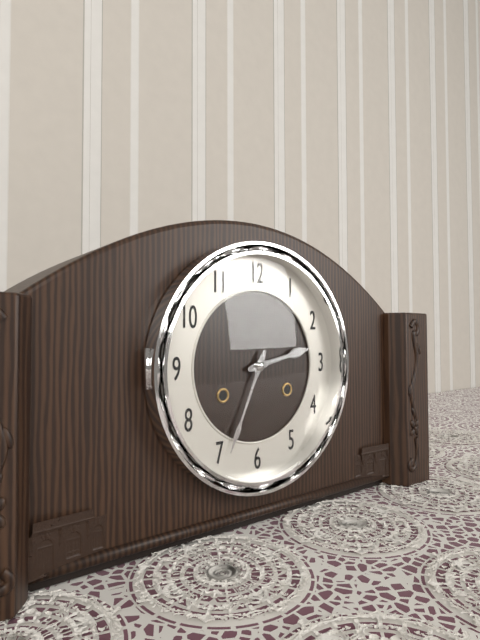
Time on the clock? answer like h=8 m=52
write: h=2 m=34
